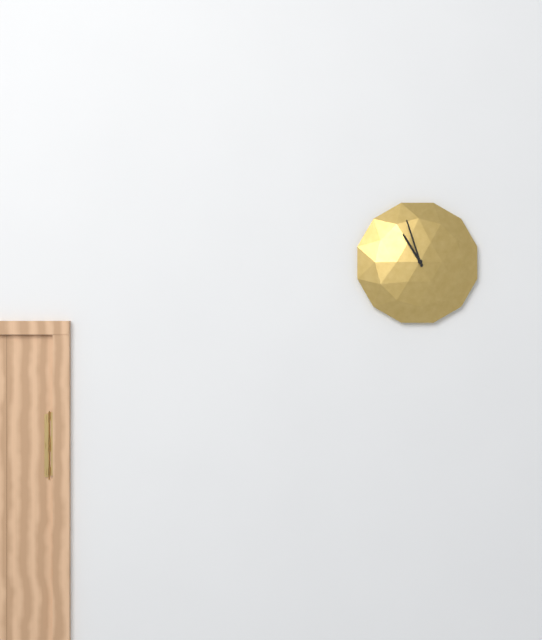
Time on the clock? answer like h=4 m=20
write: h=10 m=57
